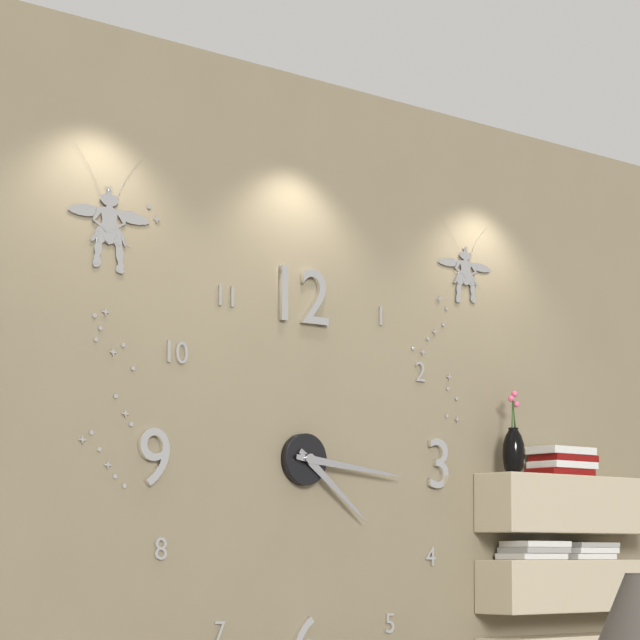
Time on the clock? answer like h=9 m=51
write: h=4 m=16
